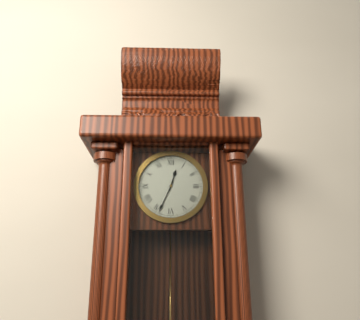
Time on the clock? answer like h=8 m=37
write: h=12 m=34
